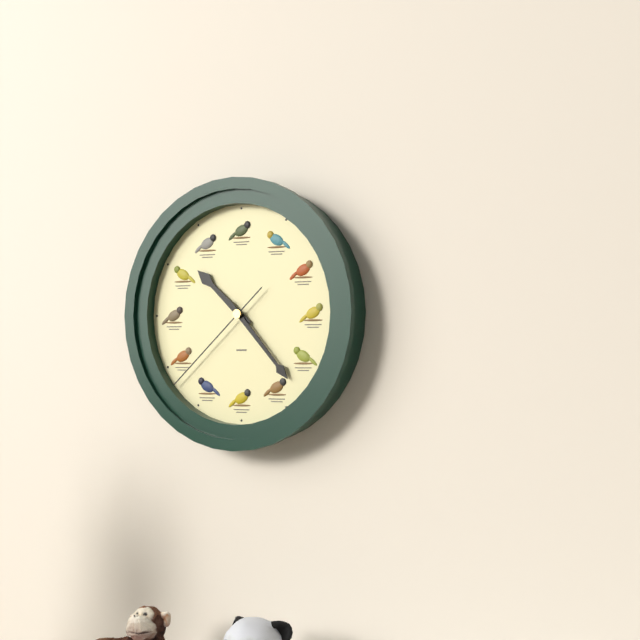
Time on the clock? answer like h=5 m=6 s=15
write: h=10 m=23 s=38
